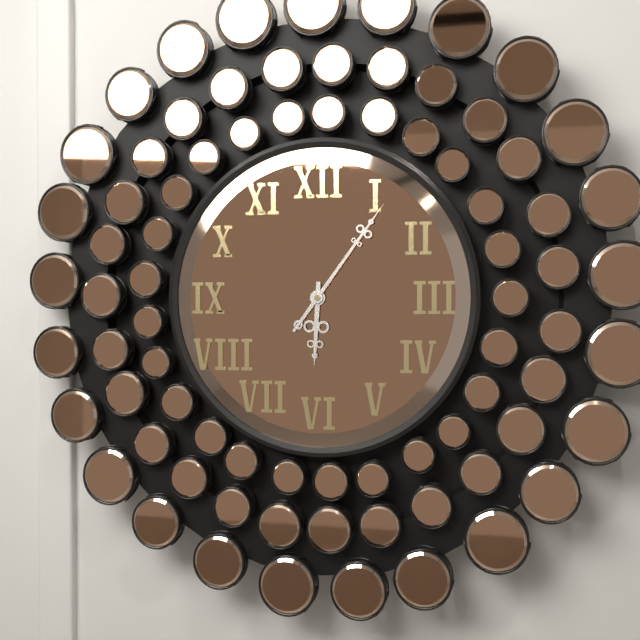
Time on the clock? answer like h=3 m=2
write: h=6 m=6
